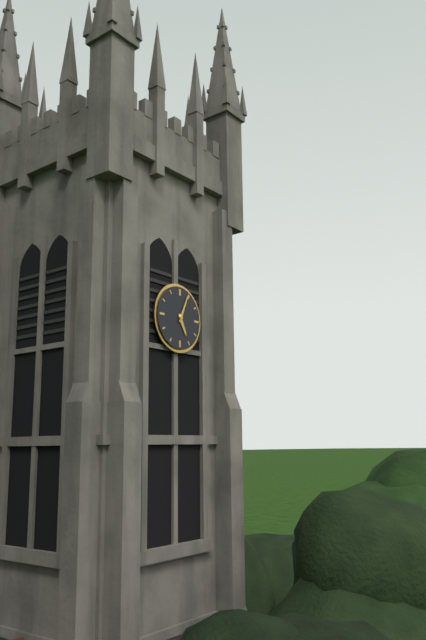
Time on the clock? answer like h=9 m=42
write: h=5 m=4
